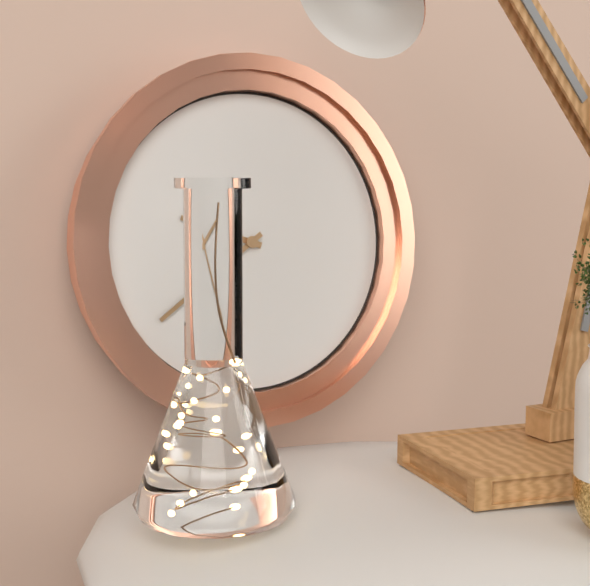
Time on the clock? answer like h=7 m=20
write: h=9 m=39
